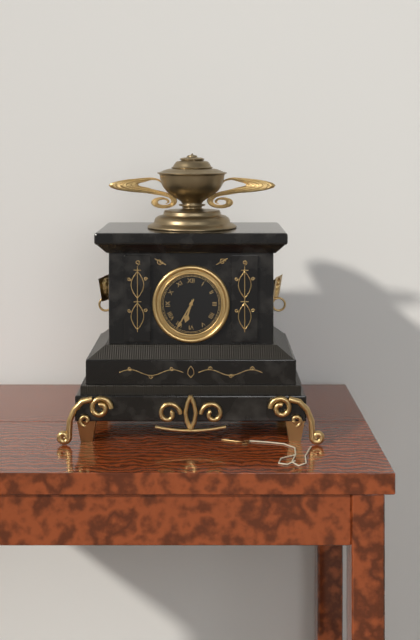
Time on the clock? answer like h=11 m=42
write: h=6 m=35
